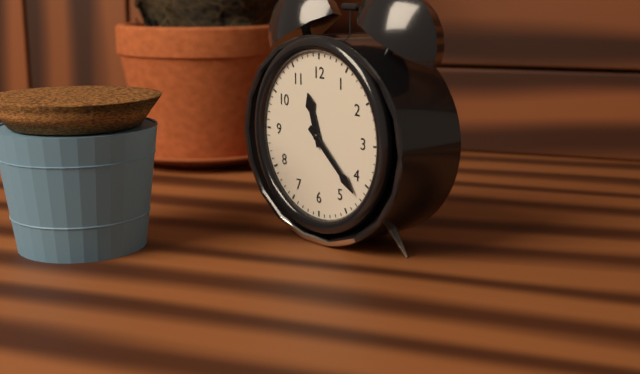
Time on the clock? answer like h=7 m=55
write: h=11 m=22
